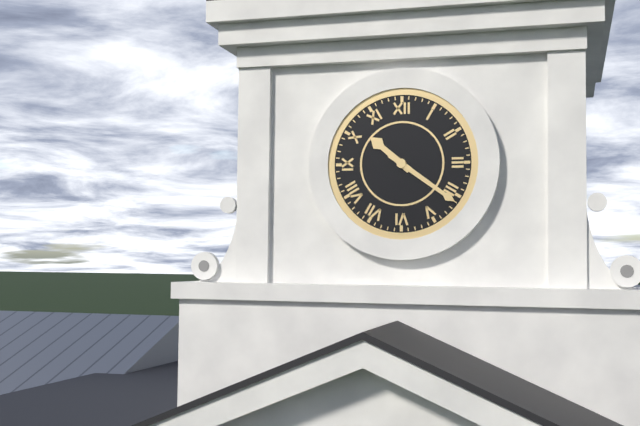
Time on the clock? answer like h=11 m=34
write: h=10 m=21
